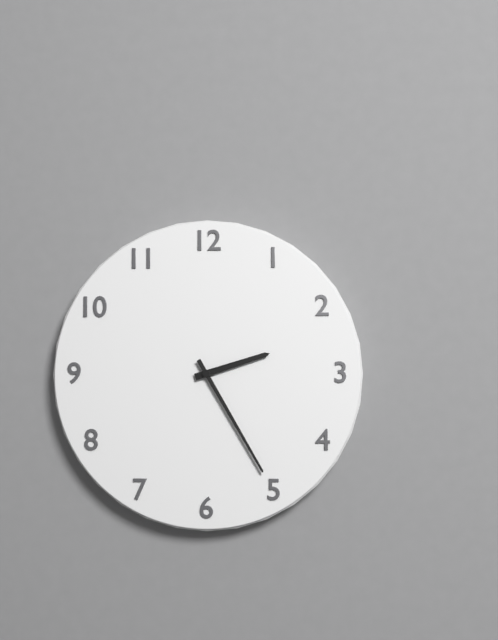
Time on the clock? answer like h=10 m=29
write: h=2 m=25
